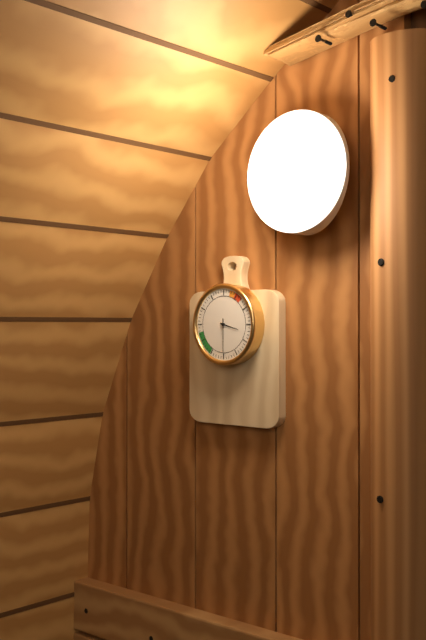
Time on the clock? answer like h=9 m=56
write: h=3 m=30
